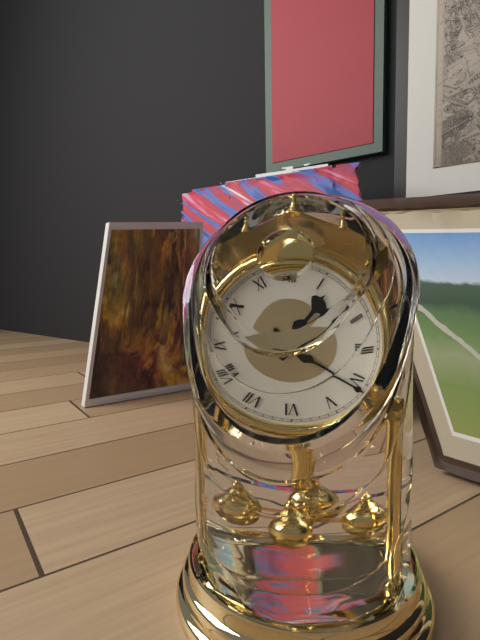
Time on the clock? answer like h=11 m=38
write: h=1 m=21
